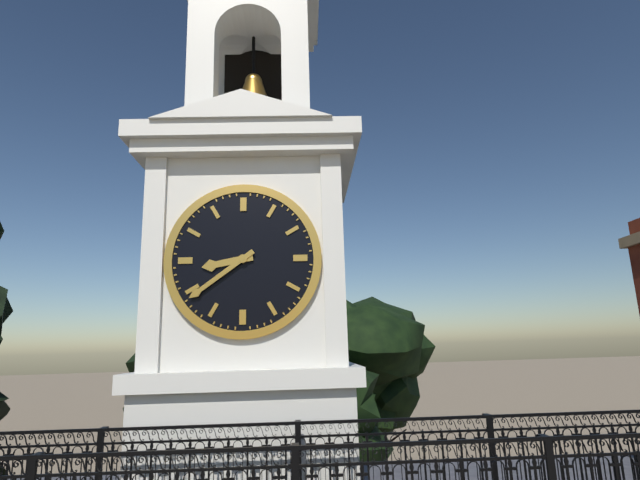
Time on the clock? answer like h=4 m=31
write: h=8 m=39
